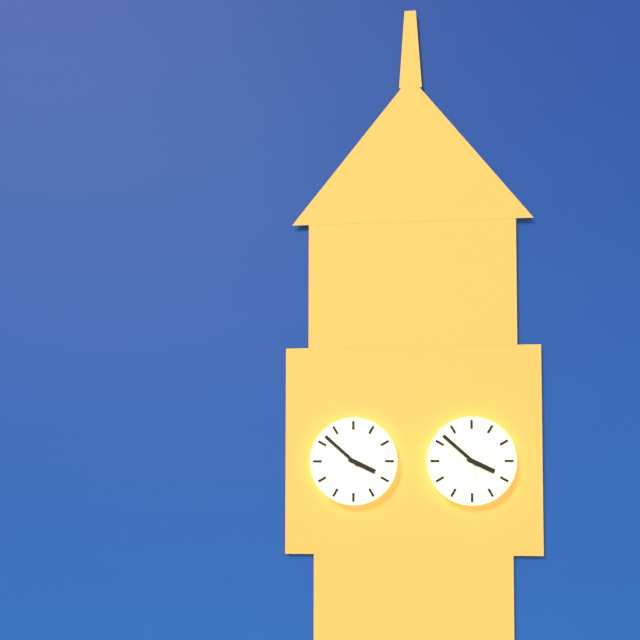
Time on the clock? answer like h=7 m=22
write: h=3 m=52
